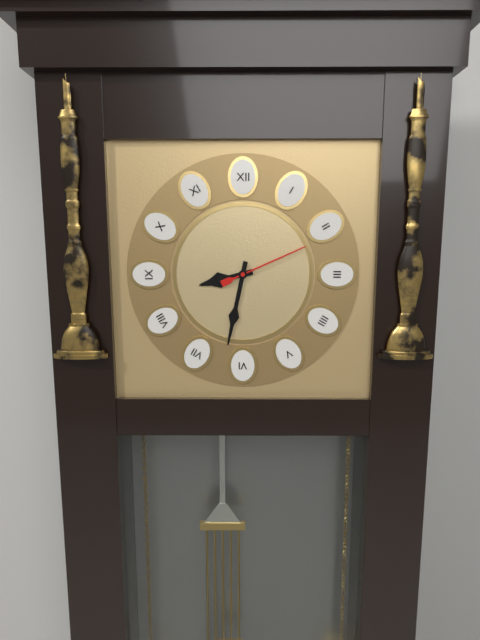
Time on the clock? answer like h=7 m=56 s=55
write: h=8 m=32 s=11
